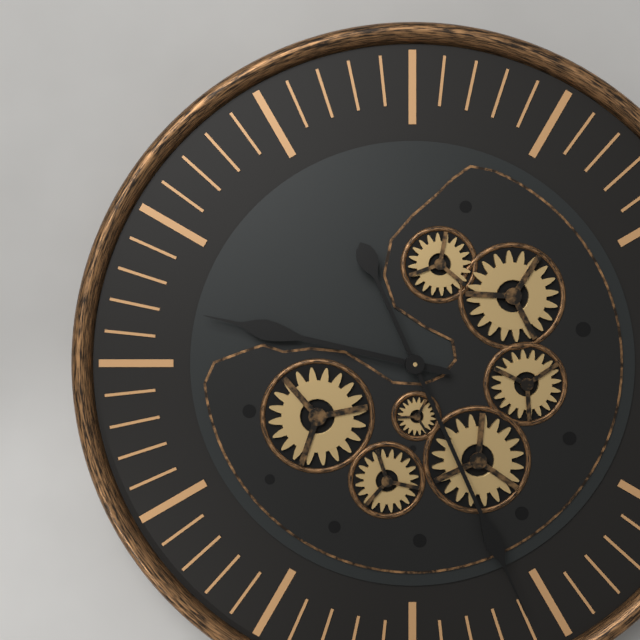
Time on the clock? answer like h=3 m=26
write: h=9 m=26
